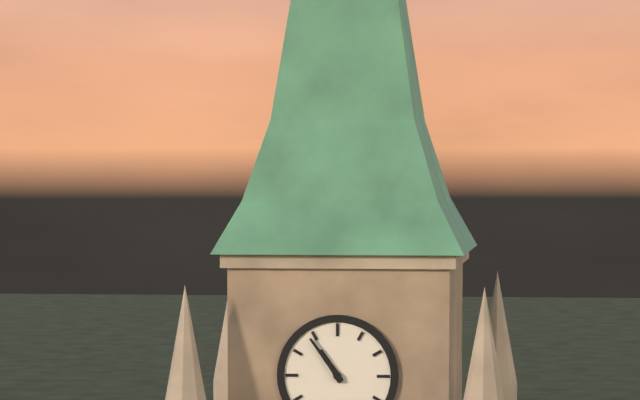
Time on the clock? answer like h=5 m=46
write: h=10 m=54
